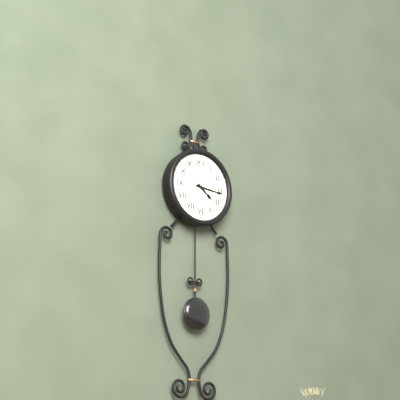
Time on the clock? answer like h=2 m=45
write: h=4 m=16
